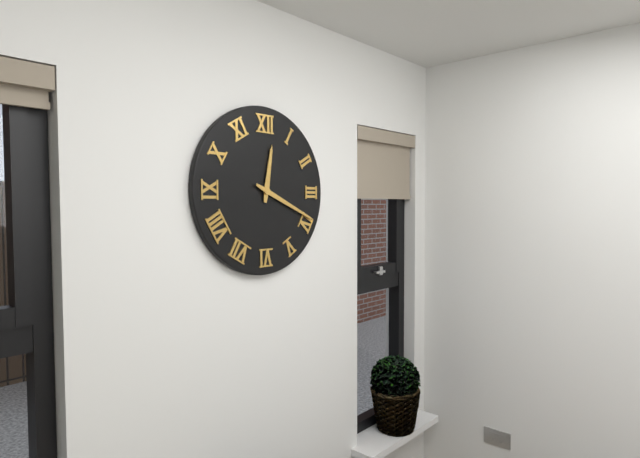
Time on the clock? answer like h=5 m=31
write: h=12 m=19
